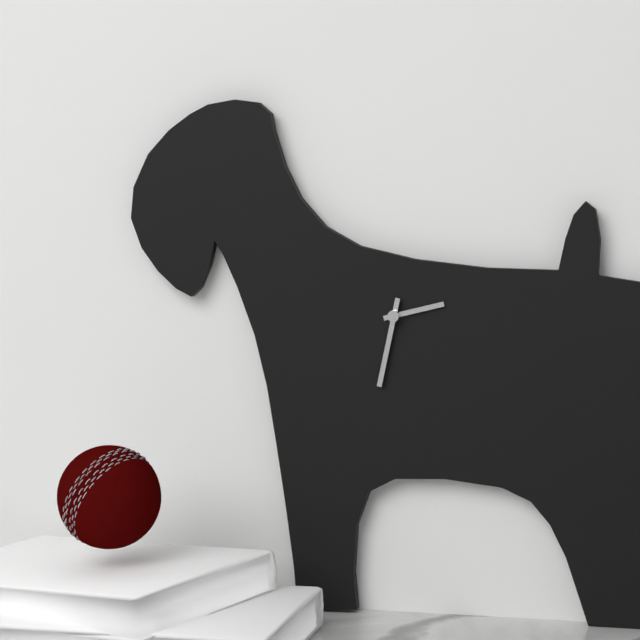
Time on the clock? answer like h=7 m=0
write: h=2 m=32
